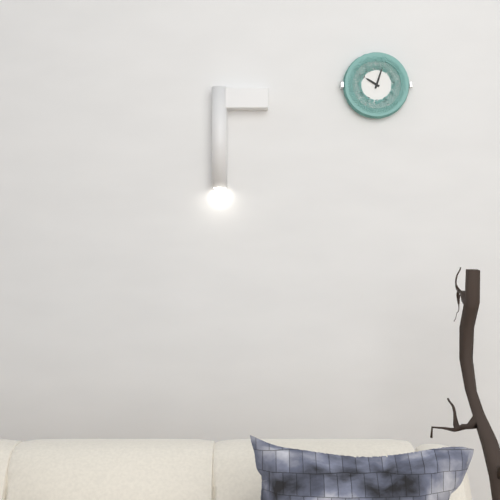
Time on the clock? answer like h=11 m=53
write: h=10 m=3
